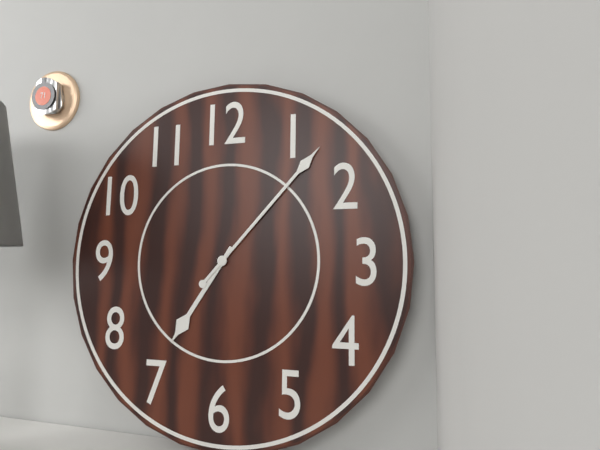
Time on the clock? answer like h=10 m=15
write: h=7 m=7
